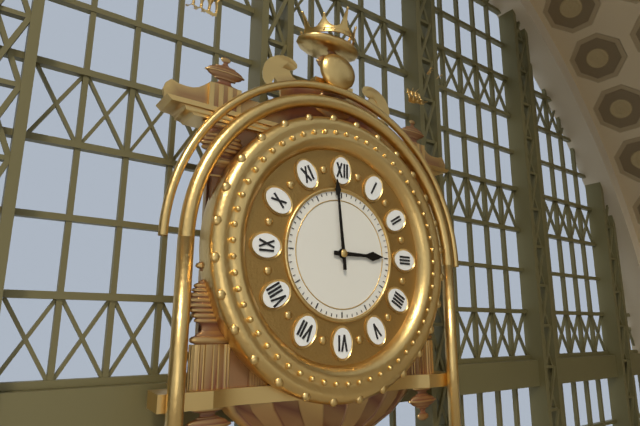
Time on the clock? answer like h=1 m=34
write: h=2 m=59
